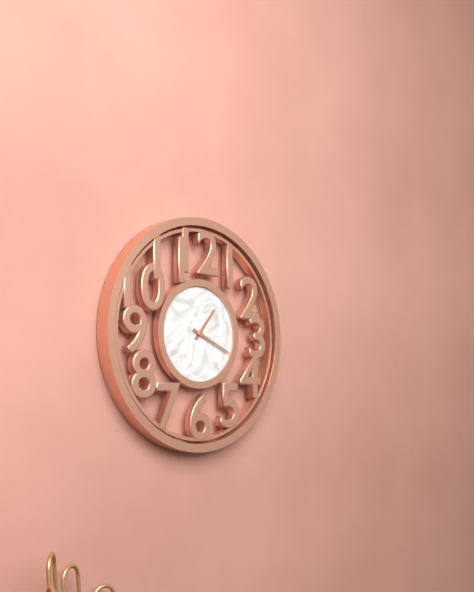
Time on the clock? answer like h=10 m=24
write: h=1 m=19
